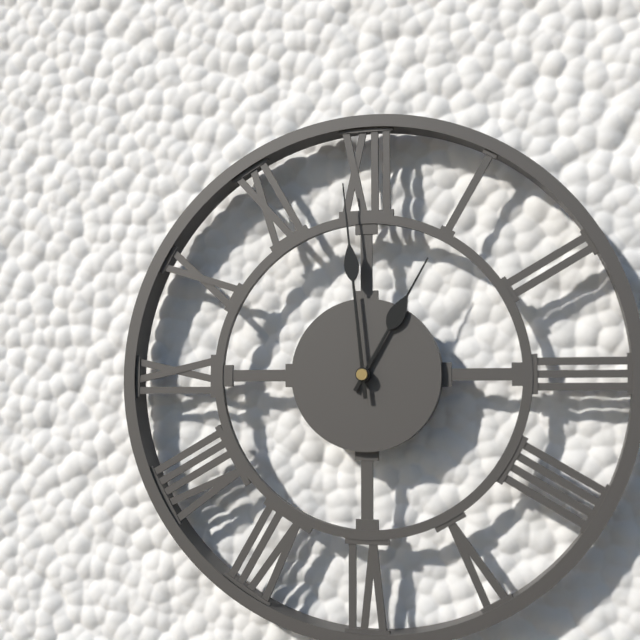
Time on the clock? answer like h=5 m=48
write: h=12 m=59
